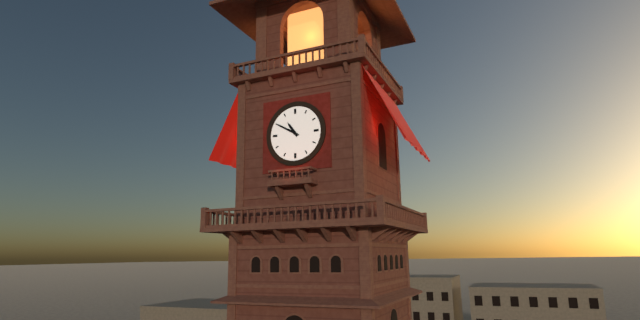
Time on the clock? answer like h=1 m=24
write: h=10 m=50
